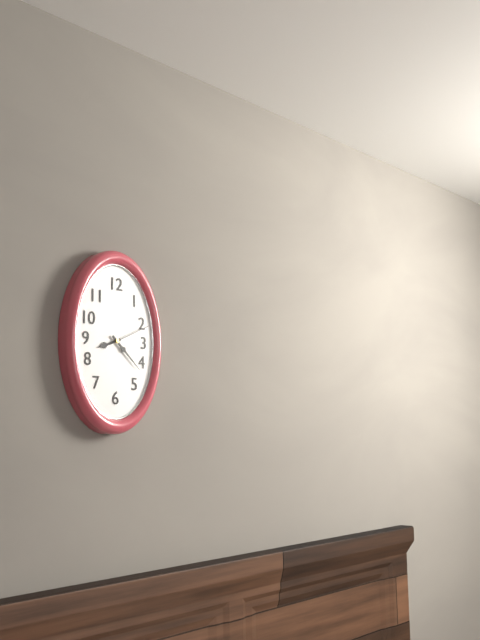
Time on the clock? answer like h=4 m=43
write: h=8 m=22
